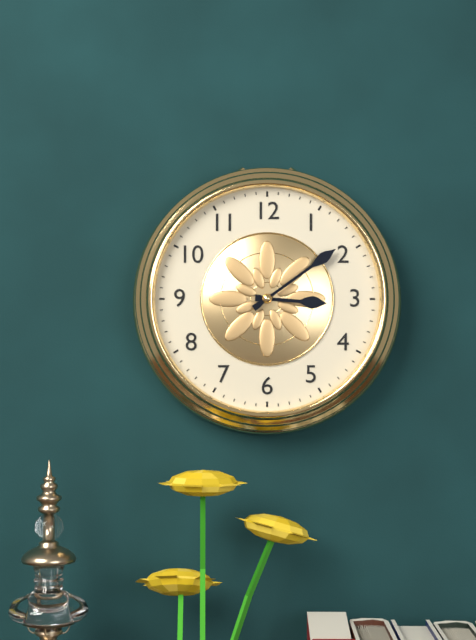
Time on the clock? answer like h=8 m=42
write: h=3 m=9
